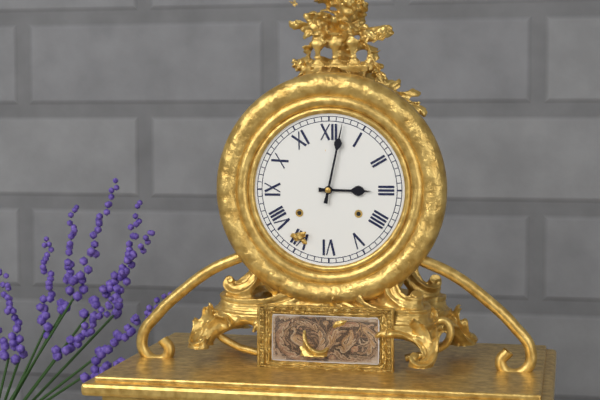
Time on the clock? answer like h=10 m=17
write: h=3 m=2
